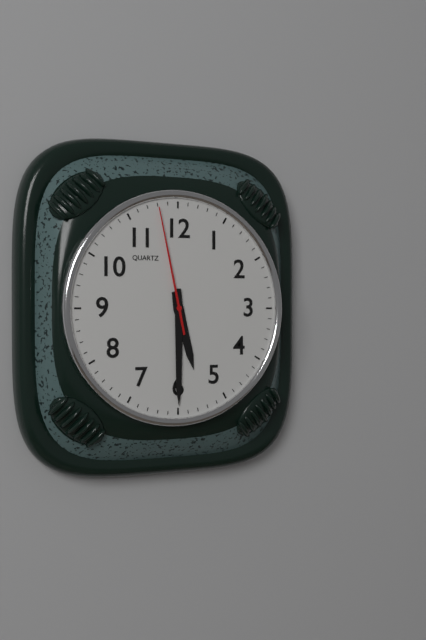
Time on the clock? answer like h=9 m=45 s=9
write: h=5 m=30 s=58
